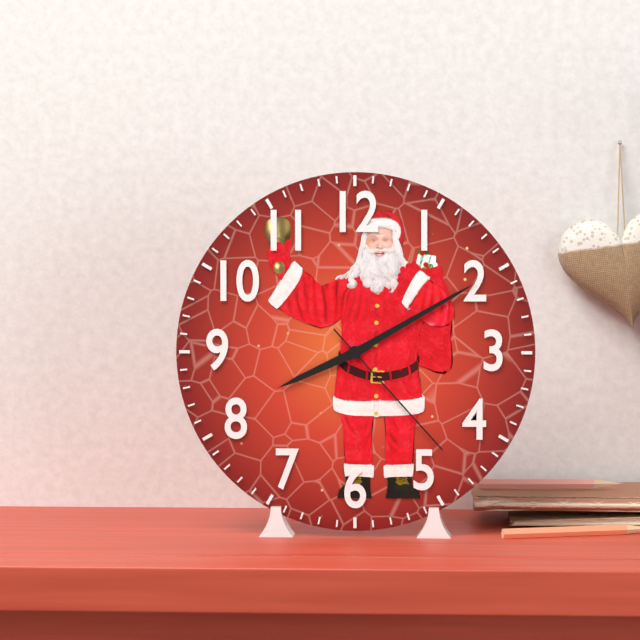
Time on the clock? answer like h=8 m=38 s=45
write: h=8 m=10 s=23
